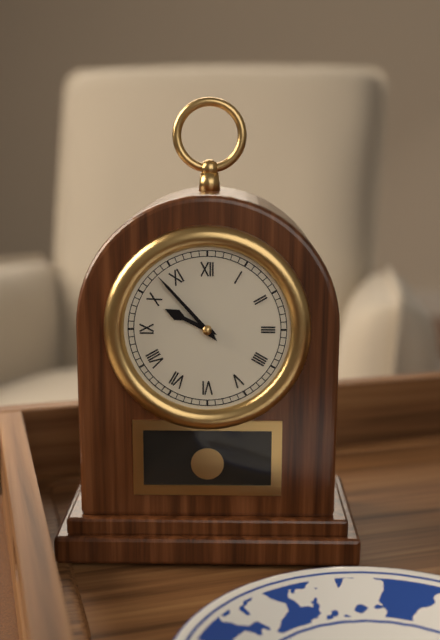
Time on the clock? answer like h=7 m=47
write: h=9 m=53
